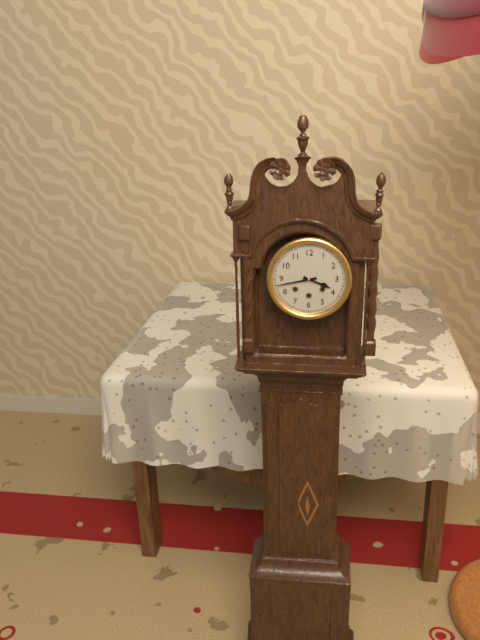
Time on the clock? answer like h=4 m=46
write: h=3 m=43
